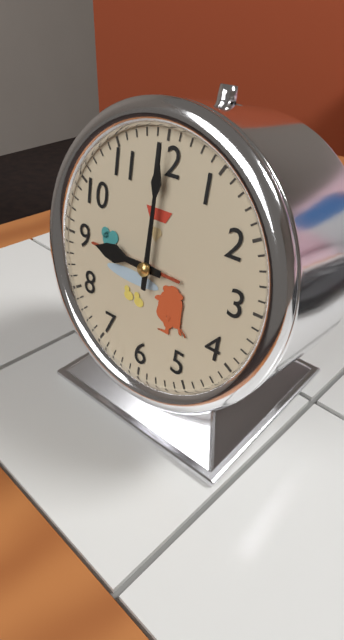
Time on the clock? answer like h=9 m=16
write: h=9 m=0
